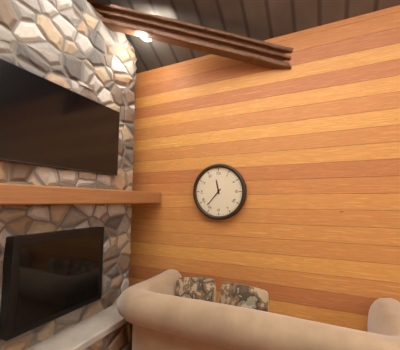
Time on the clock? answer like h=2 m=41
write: h=11 m=37
